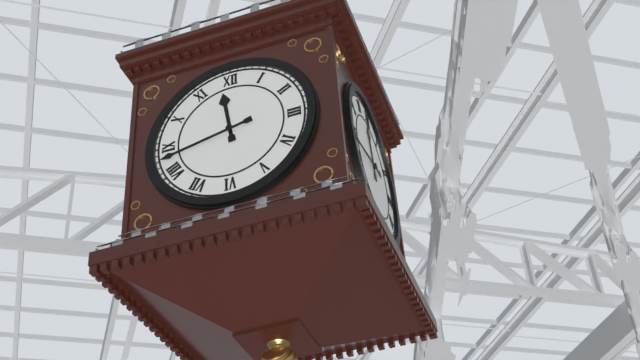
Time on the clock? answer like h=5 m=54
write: h=11 m=43
